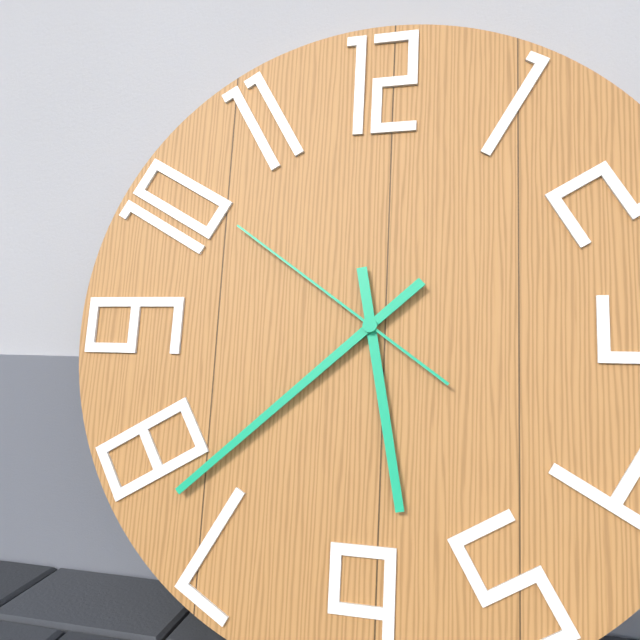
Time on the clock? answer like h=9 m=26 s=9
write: h=5 m=38 s=51
